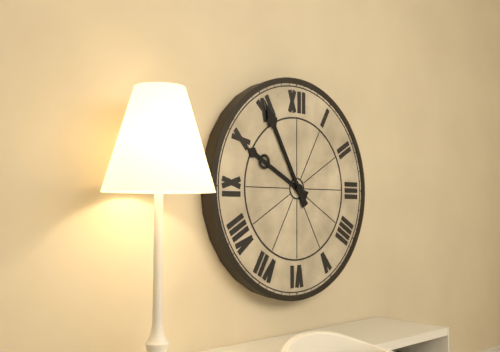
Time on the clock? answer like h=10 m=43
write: h=9 m=55
